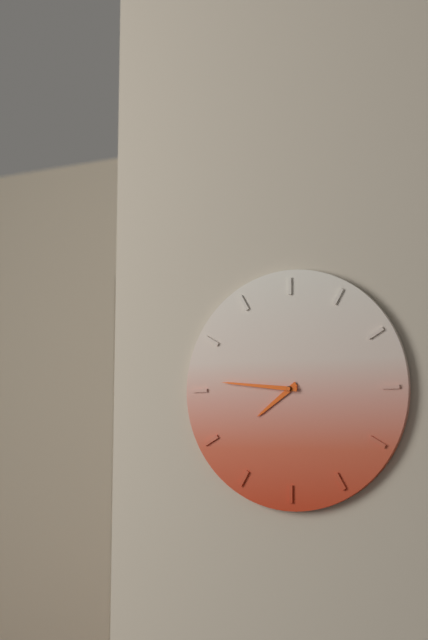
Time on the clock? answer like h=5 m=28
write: h=7 m=46
